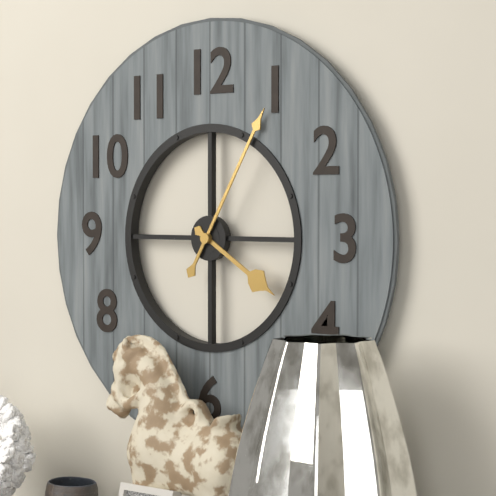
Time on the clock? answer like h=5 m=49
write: h=4 m=5
